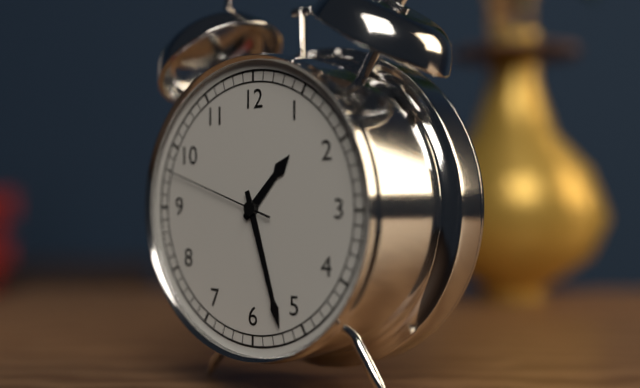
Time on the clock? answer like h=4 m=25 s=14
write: h=1 m=27 s=48
